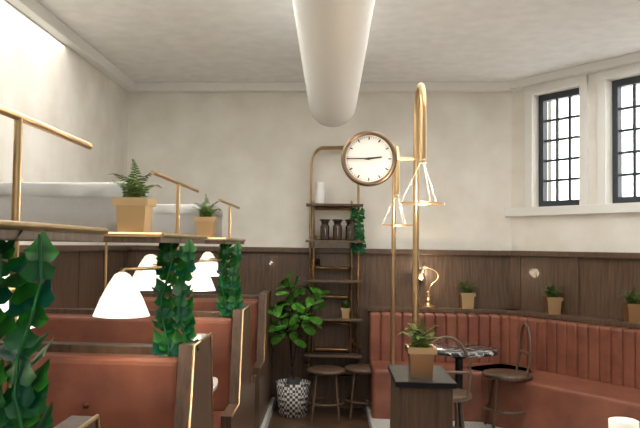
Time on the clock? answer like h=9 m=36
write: h=2 m=45
